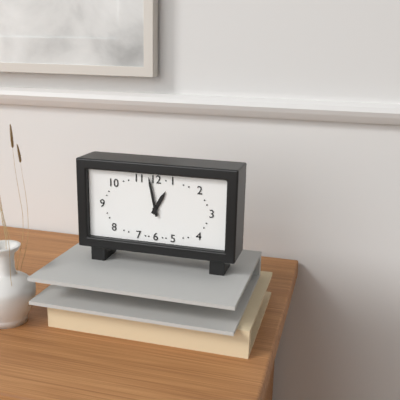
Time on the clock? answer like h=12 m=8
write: h=12 m=58
